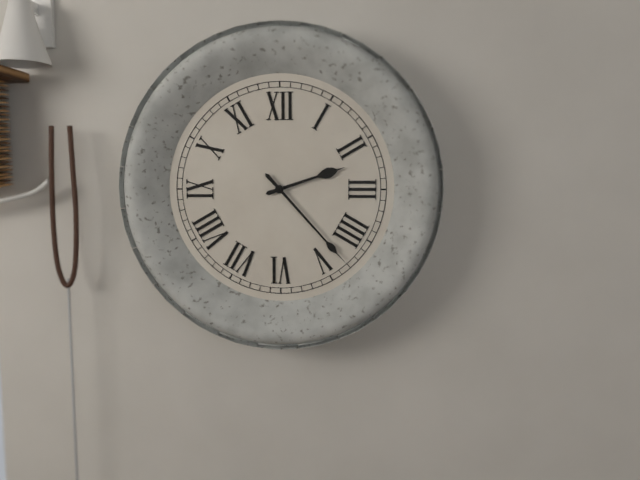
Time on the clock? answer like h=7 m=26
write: h=2 m=23
